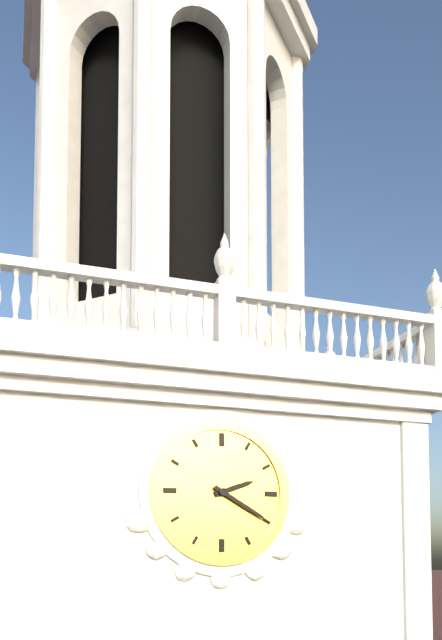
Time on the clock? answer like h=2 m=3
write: h=2 m=20
